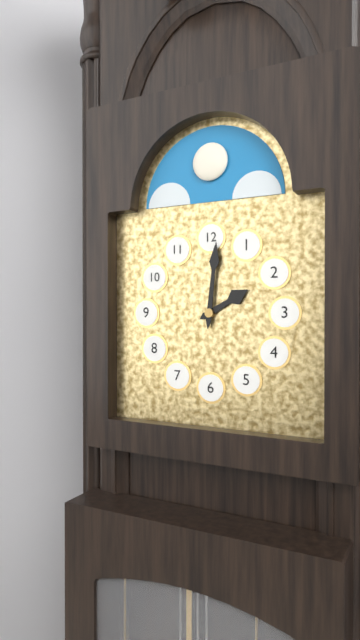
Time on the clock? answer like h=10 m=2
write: h=2 m=1
